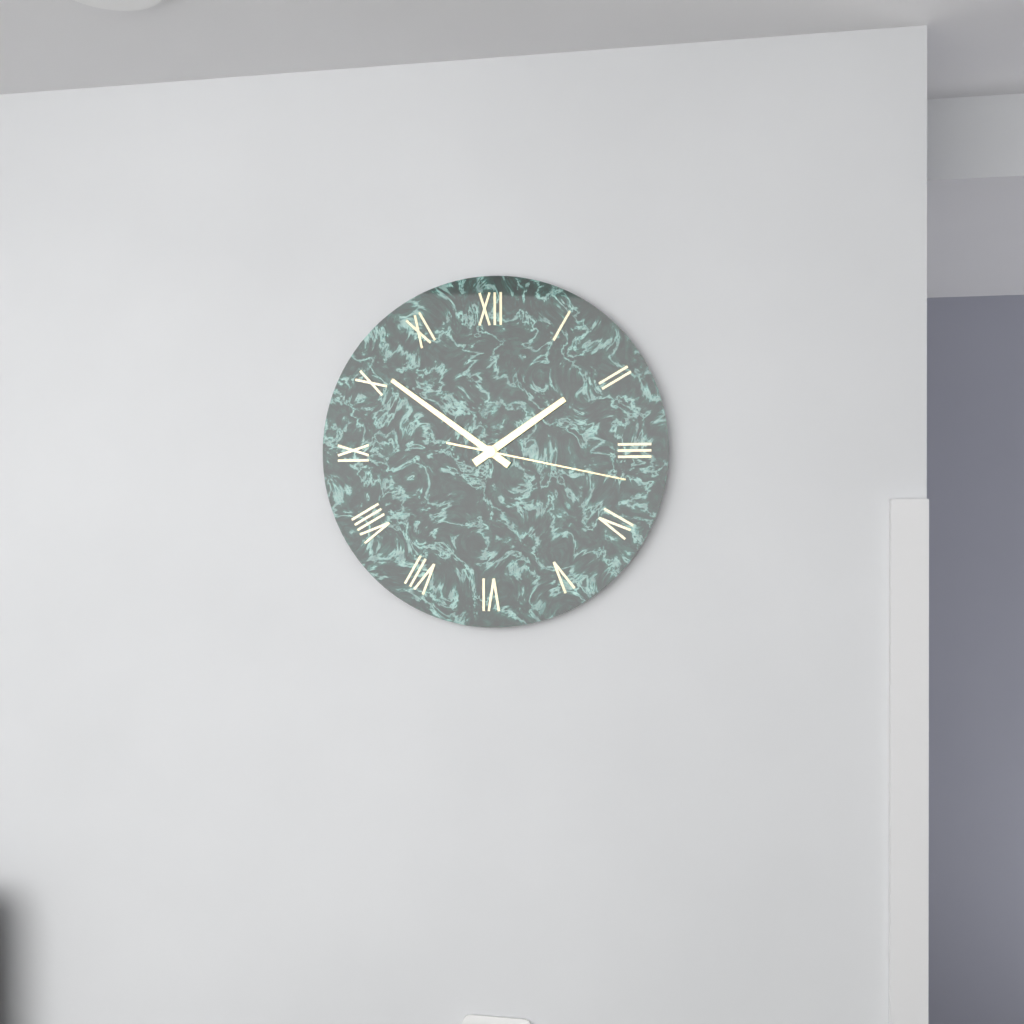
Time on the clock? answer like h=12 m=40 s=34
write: h=1 m=51 s=17
